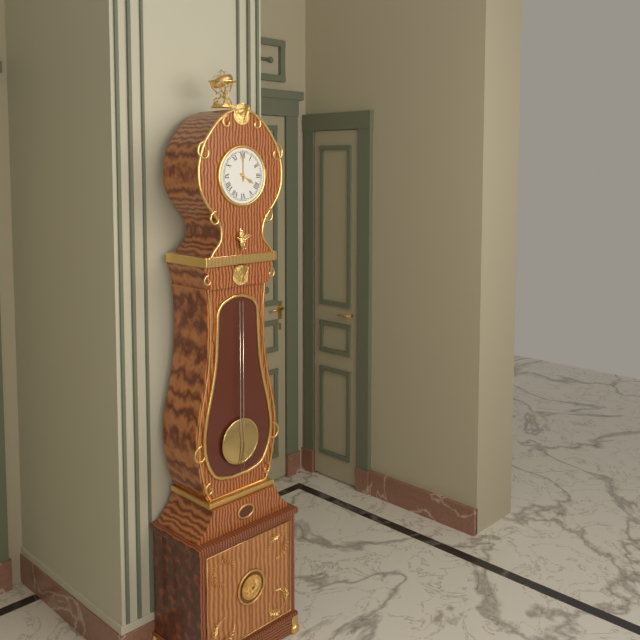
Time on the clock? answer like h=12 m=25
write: h=4 m=0
